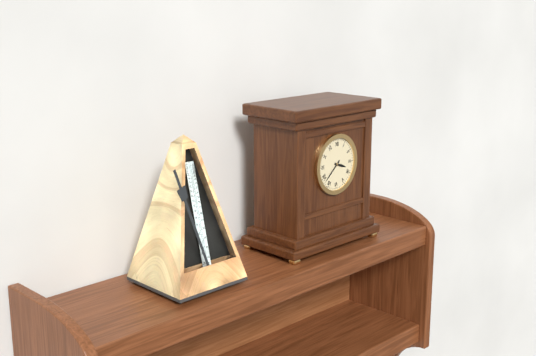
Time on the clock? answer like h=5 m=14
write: h=3 m=38
